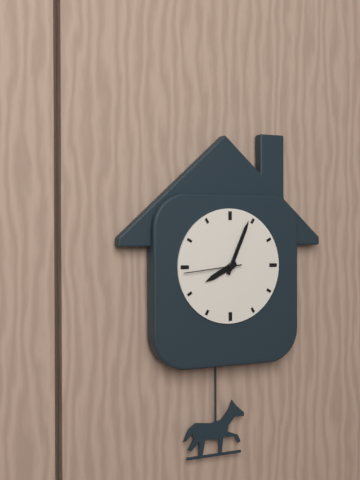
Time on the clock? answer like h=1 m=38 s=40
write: h=8 m=4 s=44
